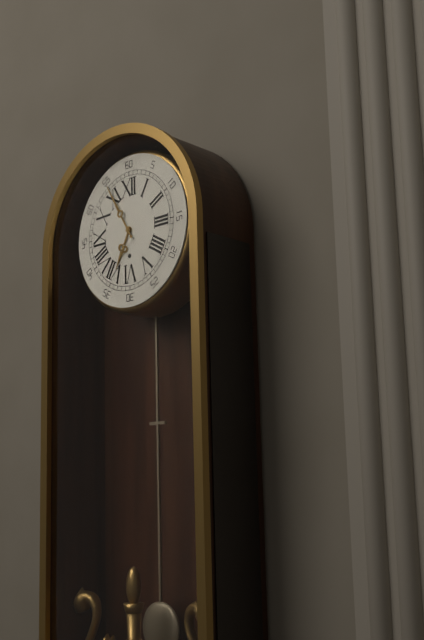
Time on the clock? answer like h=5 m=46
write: h=6 m=55
